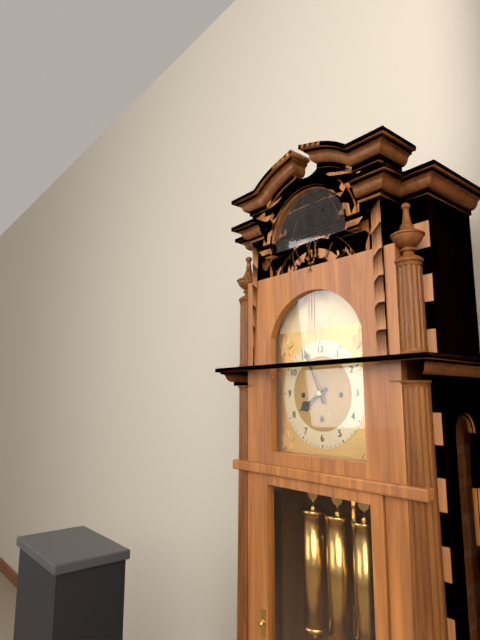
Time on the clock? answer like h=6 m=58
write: h=7 m=56
